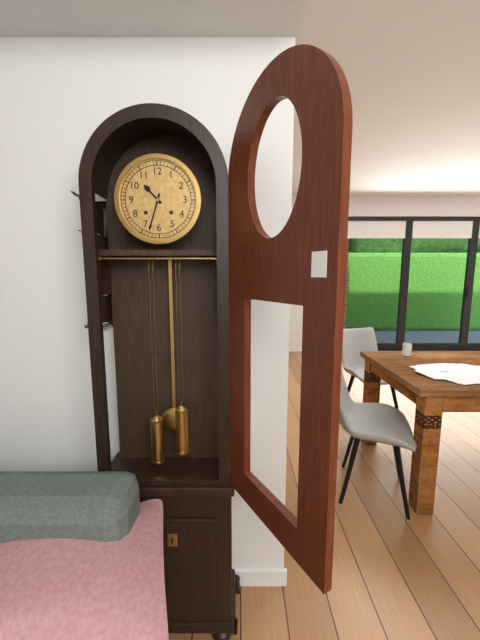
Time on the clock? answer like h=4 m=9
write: h=10 m=33
